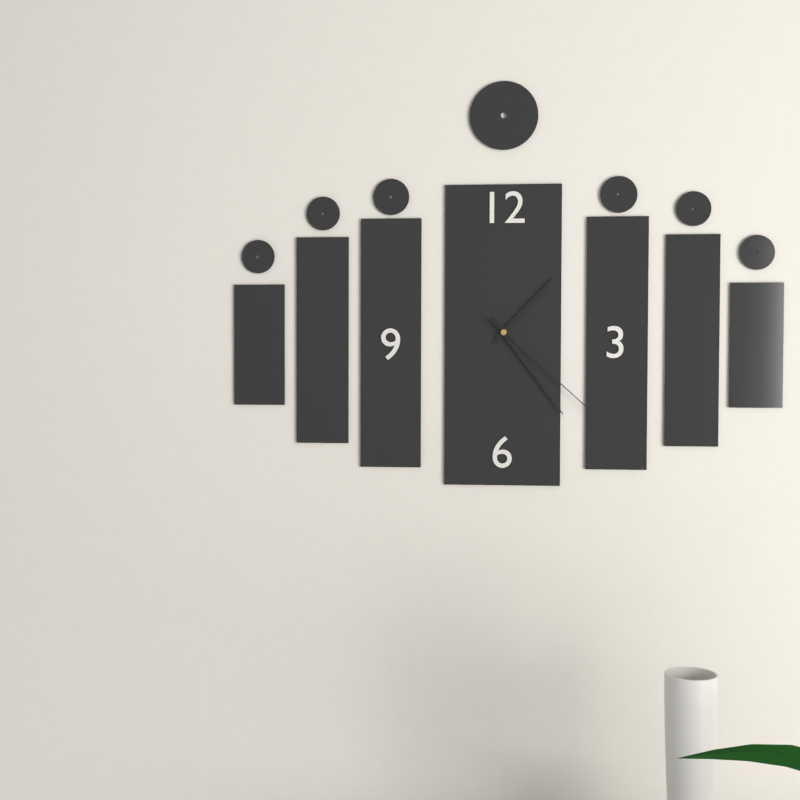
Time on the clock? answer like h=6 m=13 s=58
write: h=1 m=24 s=22
